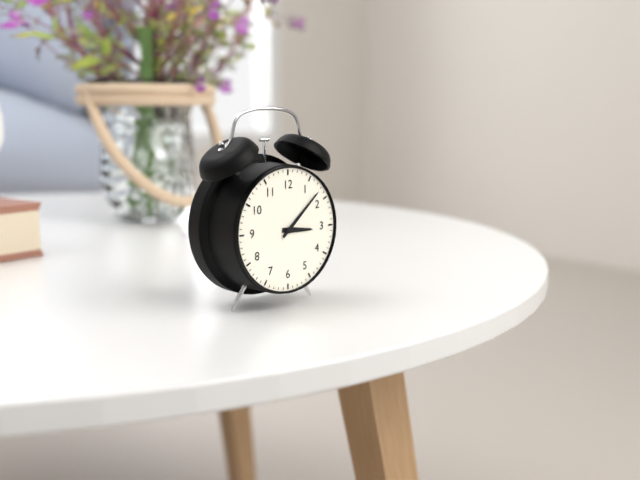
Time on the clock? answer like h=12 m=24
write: h=3 m=8
